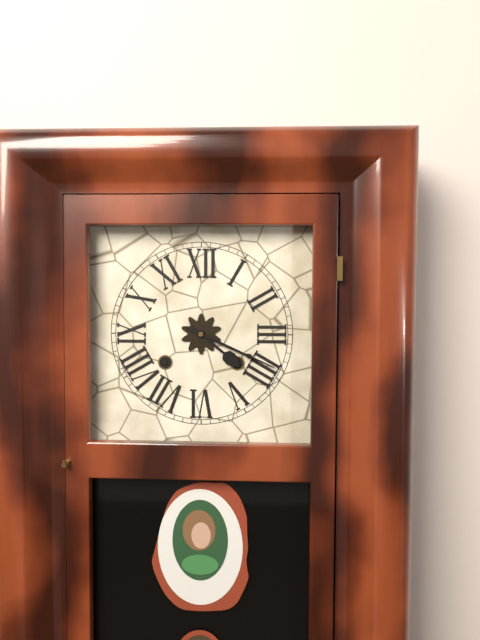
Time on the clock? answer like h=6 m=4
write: h=4 m=19
